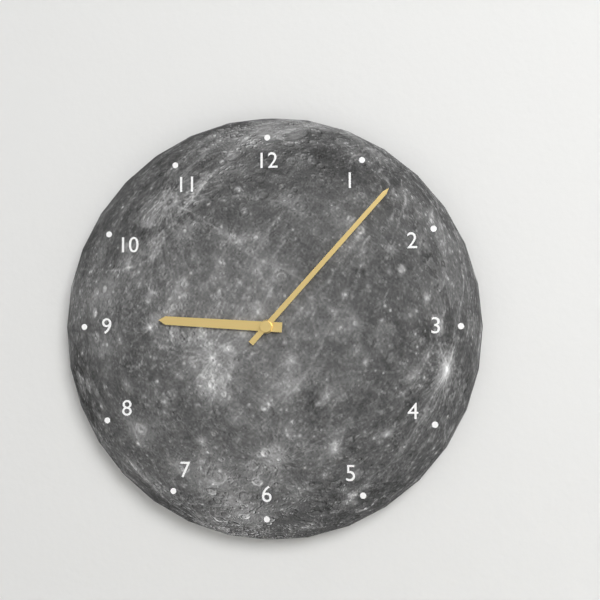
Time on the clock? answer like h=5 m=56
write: h=9 m=7
